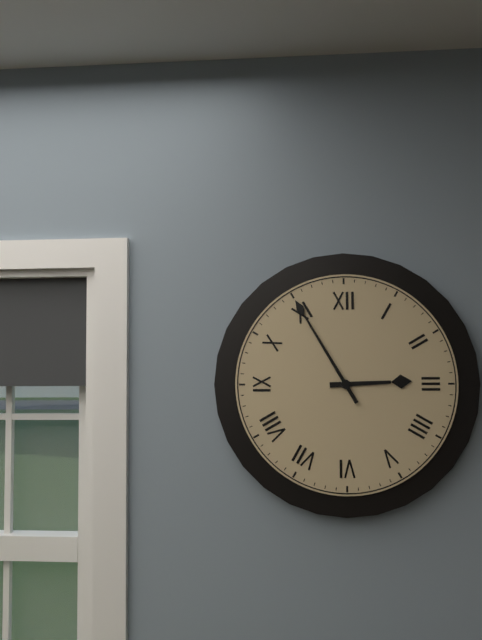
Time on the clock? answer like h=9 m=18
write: h=2 m=55
